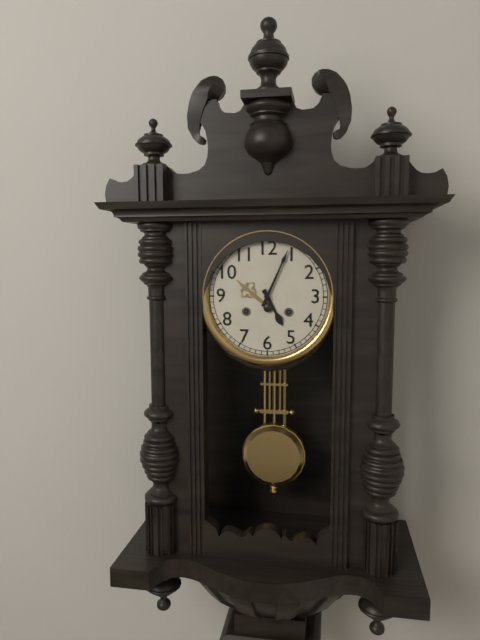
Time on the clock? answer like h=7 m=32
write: h=5 m=4
